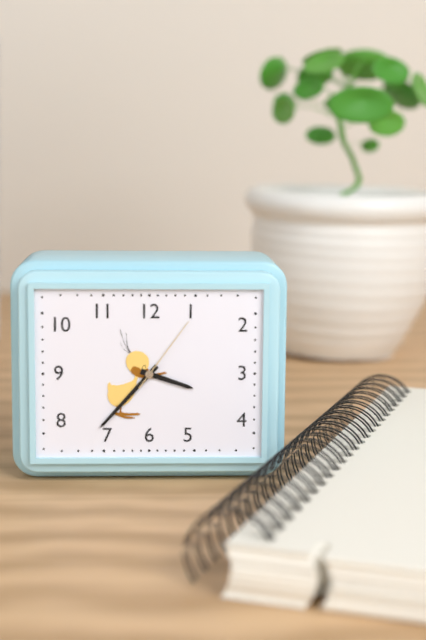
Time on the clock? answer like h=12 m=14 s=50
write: h=3 m=37 s=6
